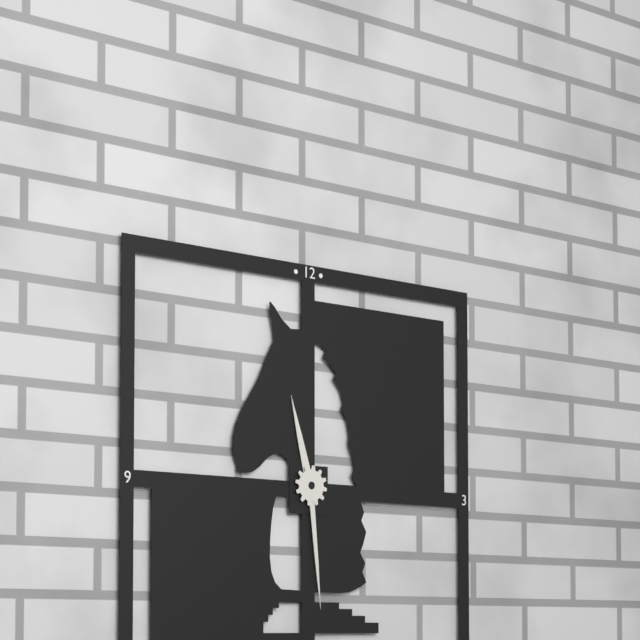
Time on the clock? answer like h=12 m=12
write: h=11 m=29
